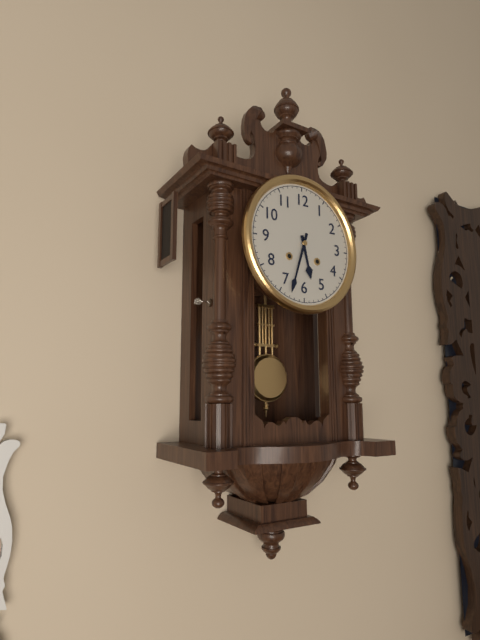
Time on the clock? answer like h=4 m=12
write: h=5 m=33
